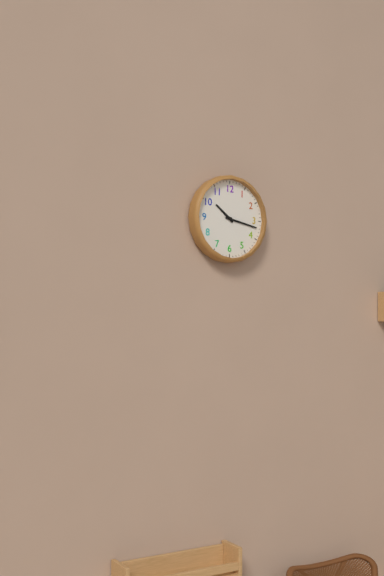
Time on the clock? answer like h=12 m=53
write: h=10 m=17
